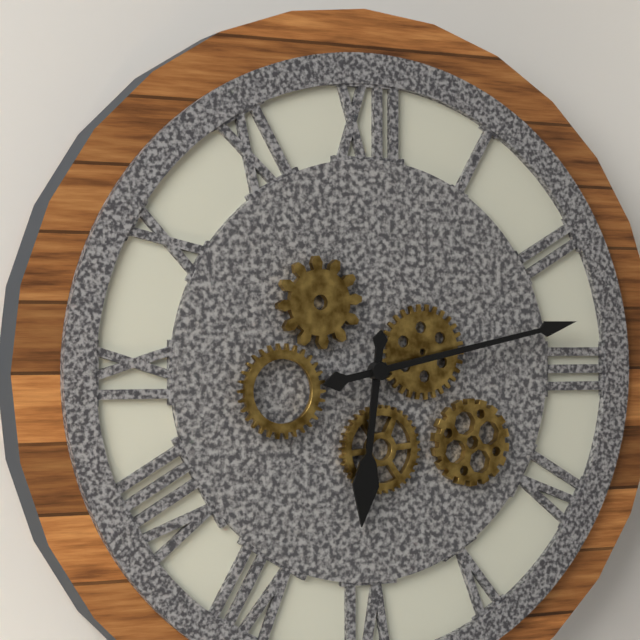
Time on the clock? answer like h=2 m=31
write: h=6 m=13
